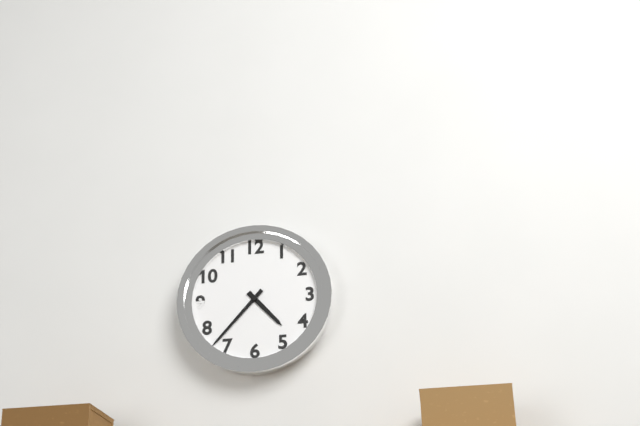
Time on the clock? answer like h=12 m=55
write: h=4 m=37
